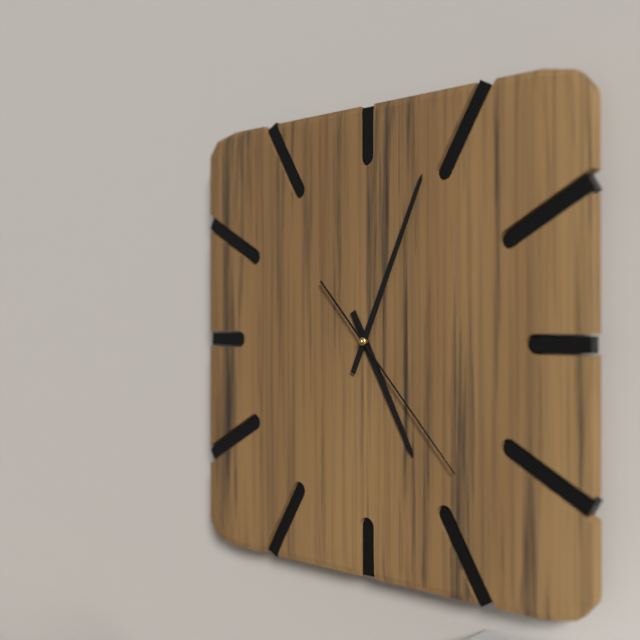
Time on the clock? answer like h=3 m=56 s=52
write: h=5 m=4 s=23
